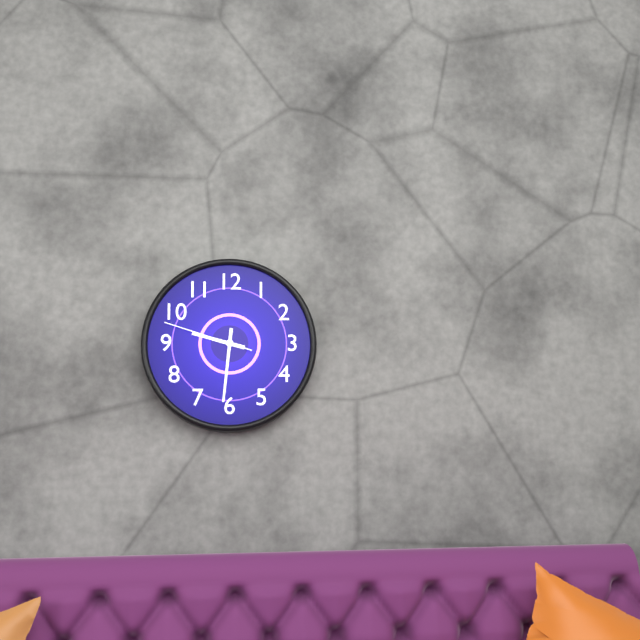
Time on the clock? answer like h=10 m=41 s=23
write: h=9 m=31 s=48
